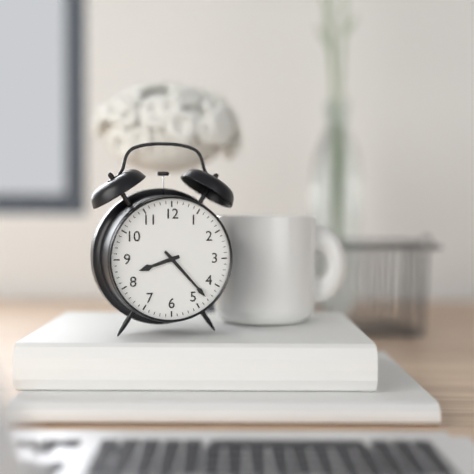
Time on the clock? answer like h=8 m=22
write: h=8 m=23
